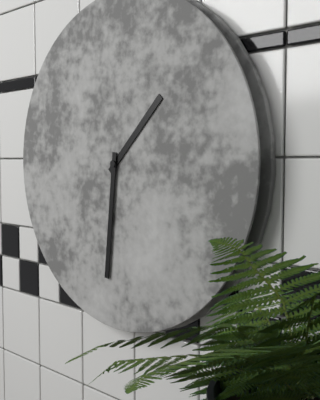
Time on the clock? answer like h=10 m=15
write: h=1 m=31
